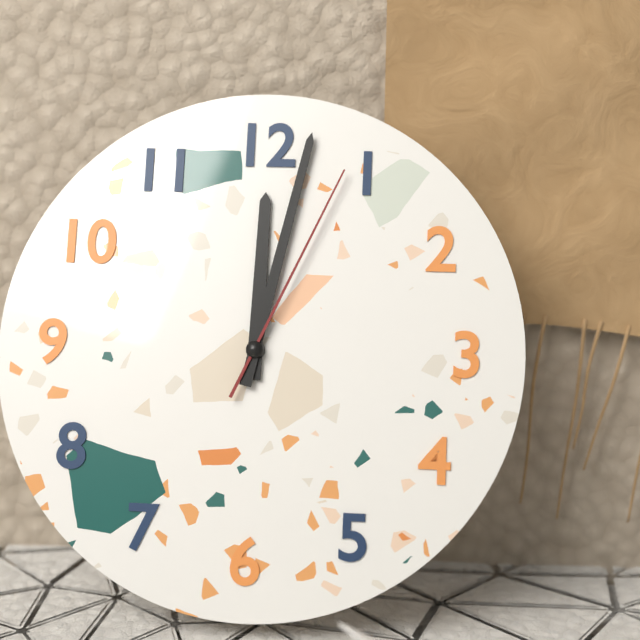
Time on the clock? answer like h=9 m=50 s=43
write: h=12 m=2 s=4
